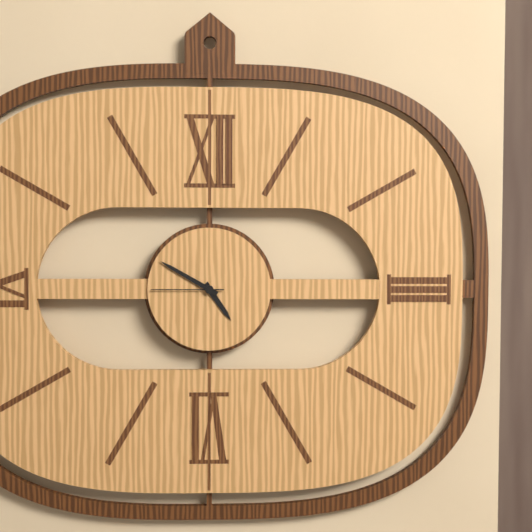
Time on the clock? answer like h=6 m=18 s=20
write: h=4 m=50 s=45
